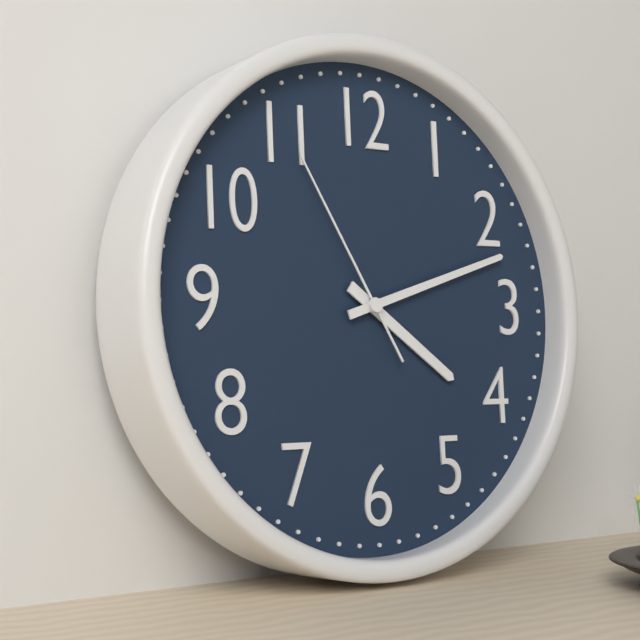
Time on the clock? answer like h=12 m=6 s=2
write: h=4 m=12 s=55
